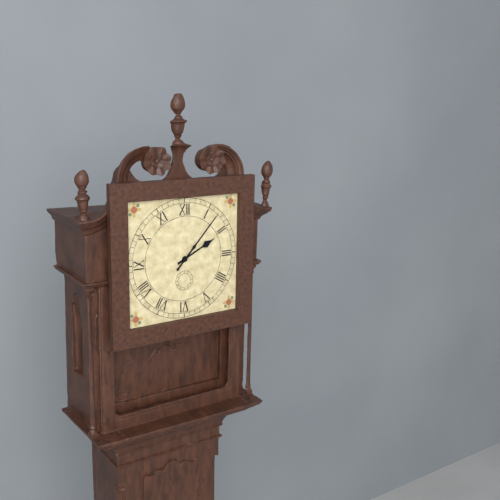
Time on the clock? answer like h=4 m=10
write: h=2 m=7
